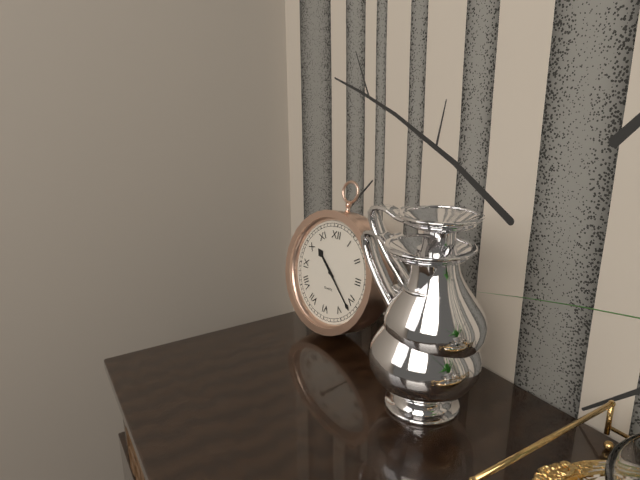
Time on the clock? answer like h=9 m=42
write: h=10 m=22
